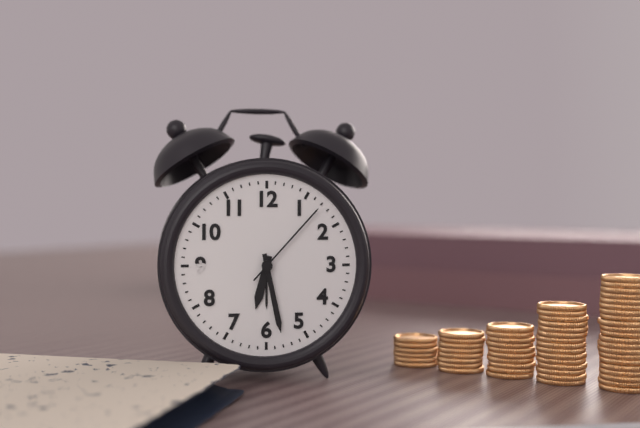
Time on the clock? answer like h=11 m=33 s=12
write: h=6 m=28 s=7
